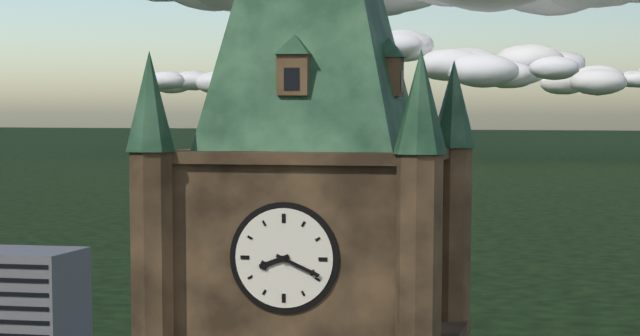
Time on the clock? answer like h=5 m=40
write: h=8 m=19
